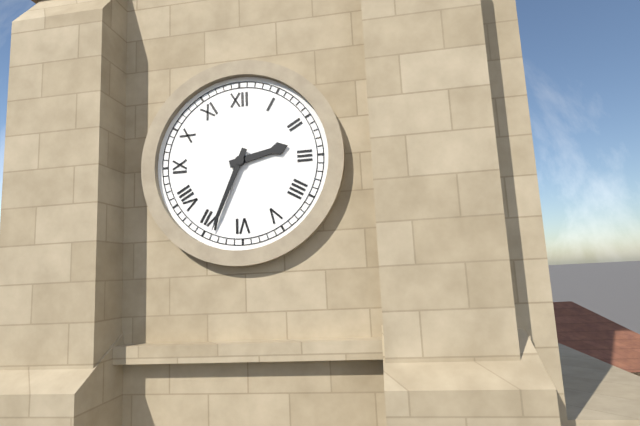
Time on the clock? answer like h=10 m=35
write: h=2 m=34
